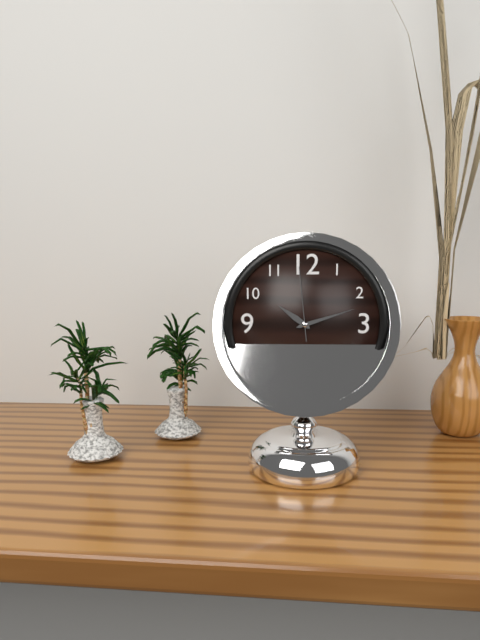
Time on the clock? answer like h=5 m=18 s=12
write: h=10 m=12 s=59
